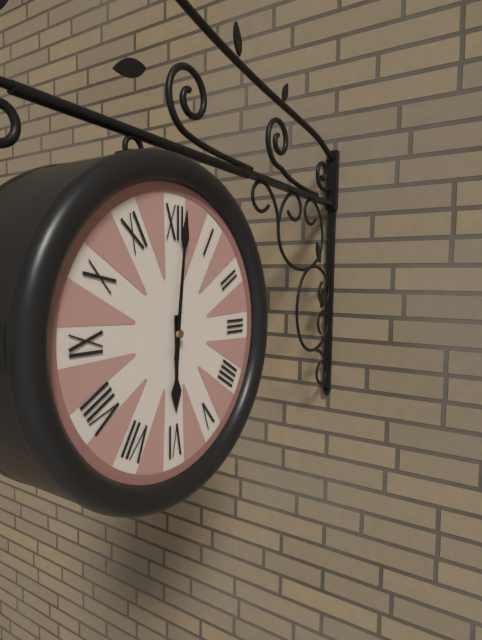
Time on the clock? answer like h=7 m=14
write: h=6 m=1
